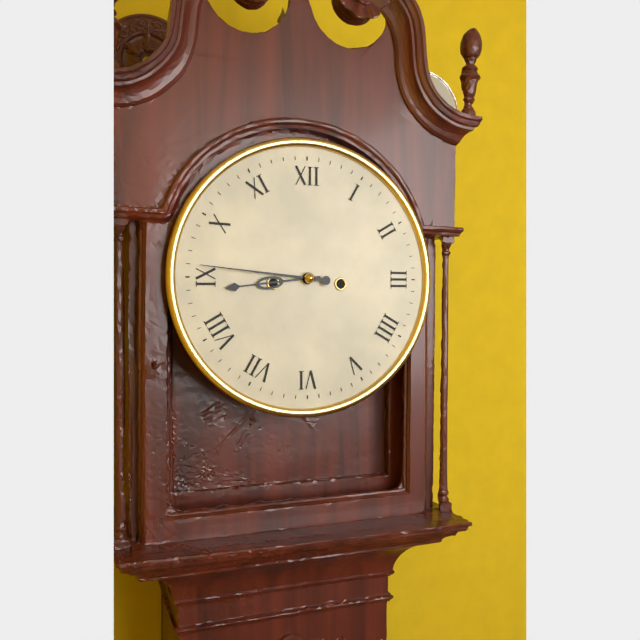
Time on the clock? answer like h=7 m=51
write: h=8 m=46
